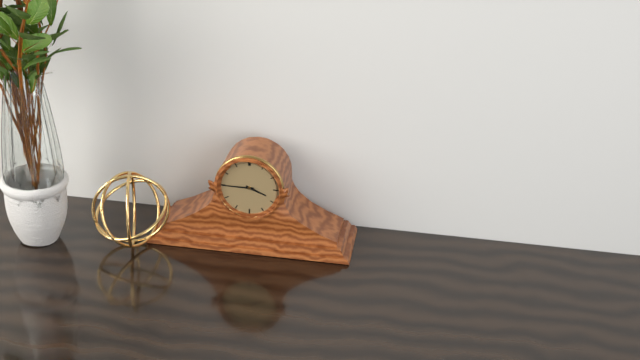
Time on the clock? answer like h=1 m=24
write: h=3 m=45
